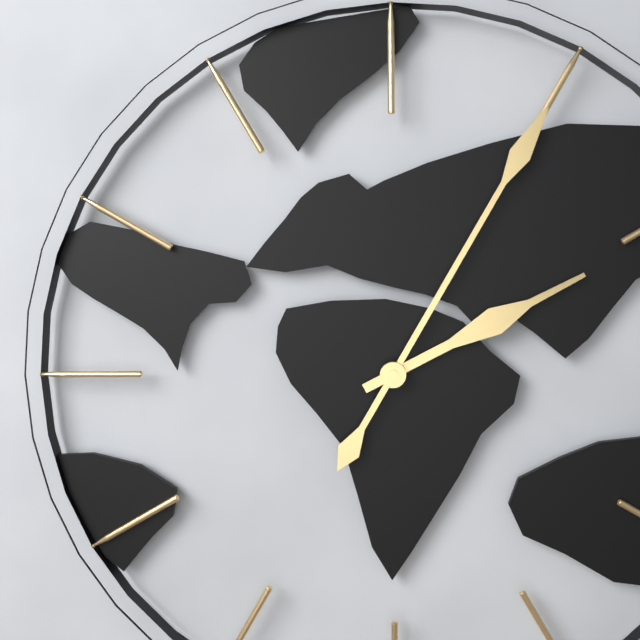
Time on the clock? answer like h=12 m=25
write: h=2 m=5
